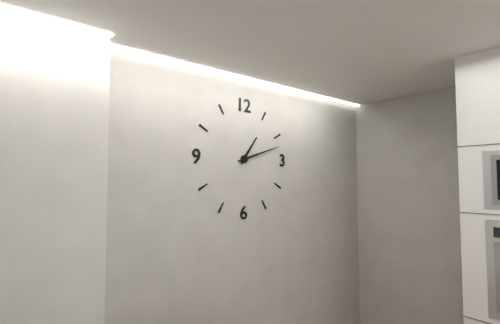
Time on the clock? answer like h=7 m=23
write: h=1 m=12
